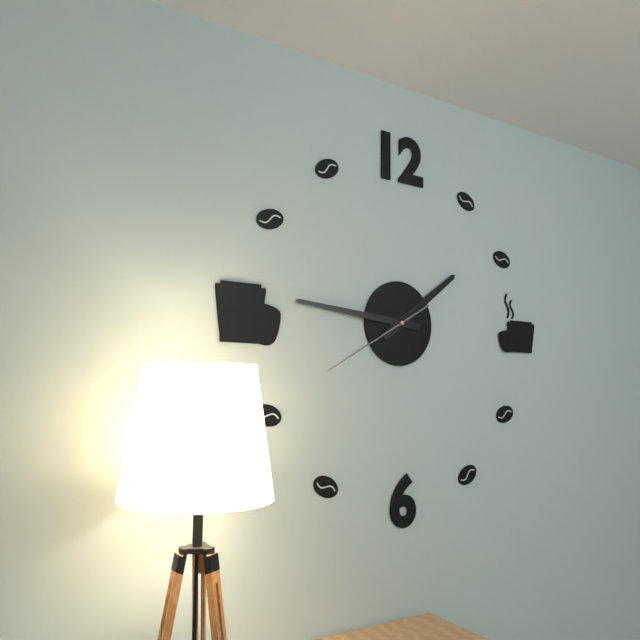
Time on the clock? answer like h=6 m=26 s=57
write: h=1 m=46 s=40
